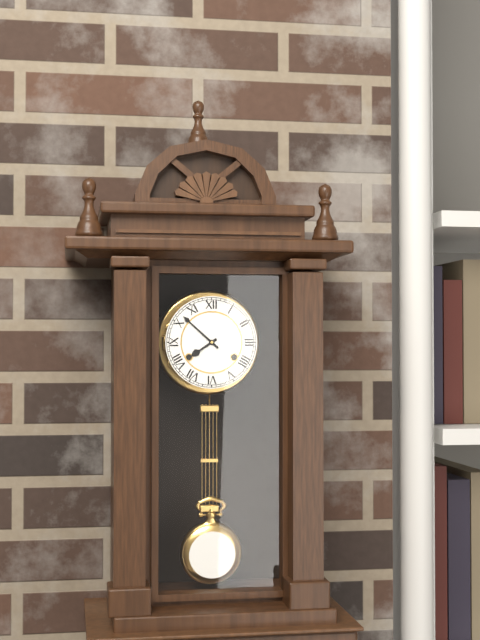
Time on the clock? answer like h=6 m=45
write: h=7 m=52
